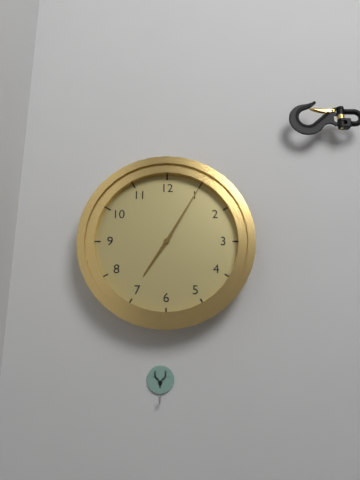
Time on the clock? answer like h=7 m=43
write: h=7 m=5
